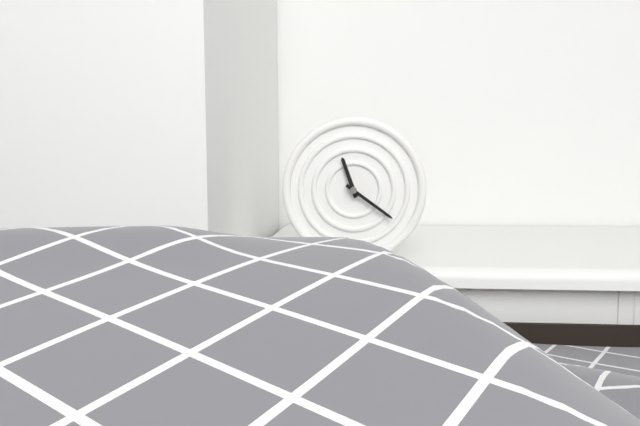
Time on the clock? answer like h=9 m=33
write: h=11 m=21
